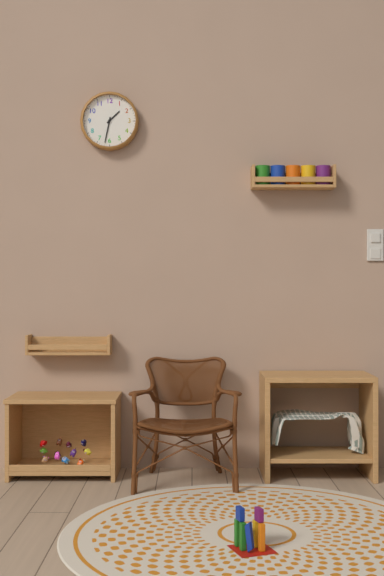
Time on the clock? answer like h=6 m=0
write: h=1 m=32
